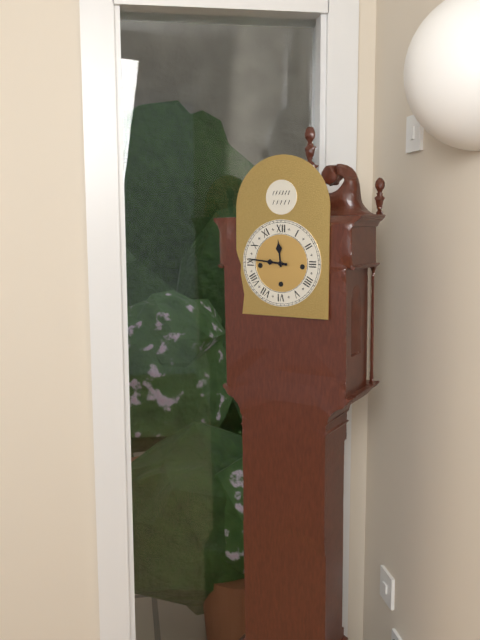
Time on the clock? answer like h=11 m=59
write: h=11 m=46
